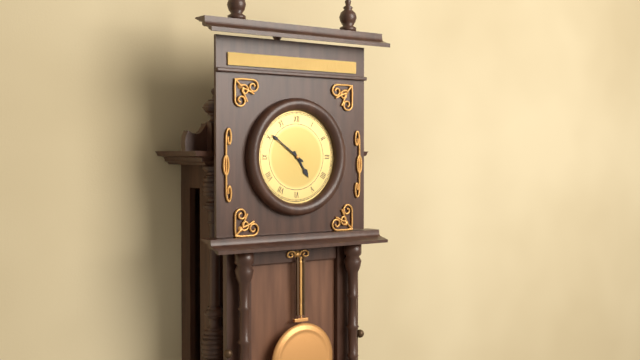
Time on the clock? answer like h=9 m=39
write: h=4 m=51
